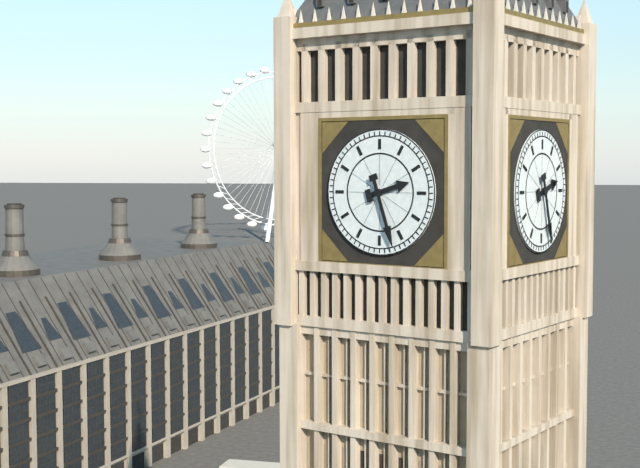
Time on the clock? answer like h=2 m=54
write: h=2 m=27
